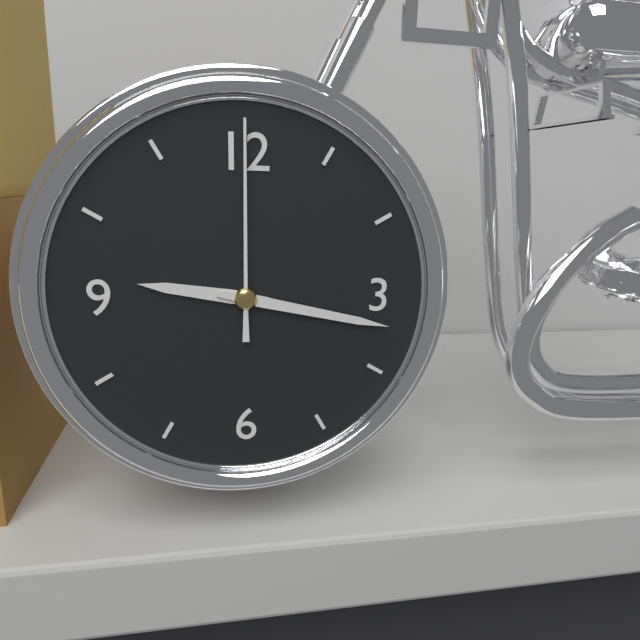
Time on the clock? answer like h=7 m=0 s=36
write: h=9 m=17 s=0
